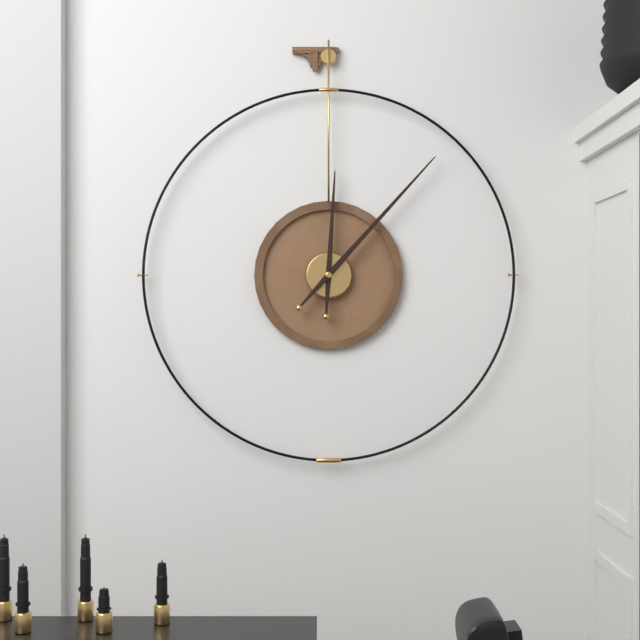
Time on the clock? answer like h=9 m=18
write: h=12 m=7
